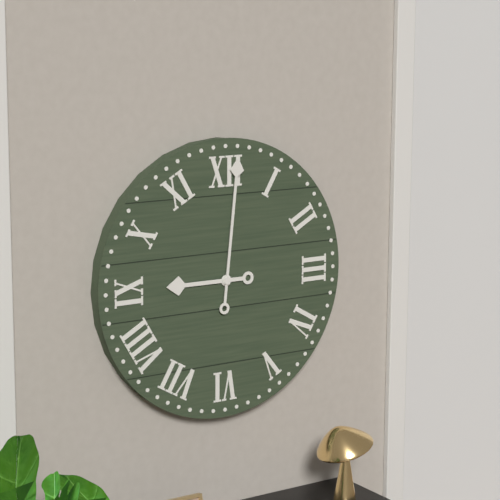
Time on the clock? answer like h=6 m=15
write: h=9 m=1
